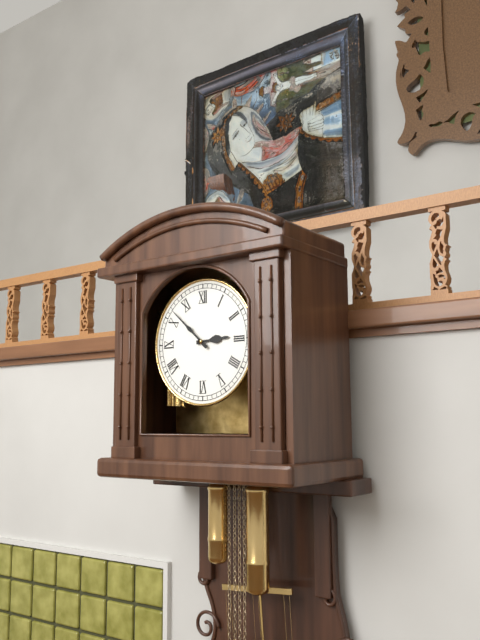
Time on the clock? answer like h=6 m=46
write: h=2 m=52
